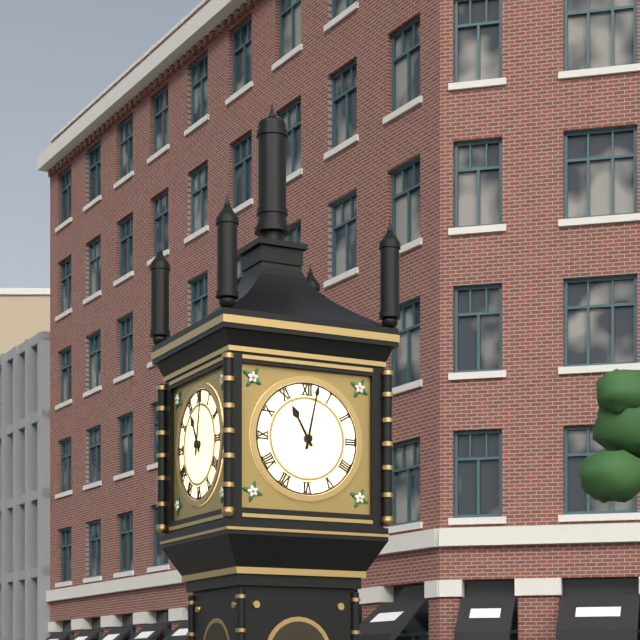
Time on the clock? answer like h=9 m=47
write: h=11 m=2
